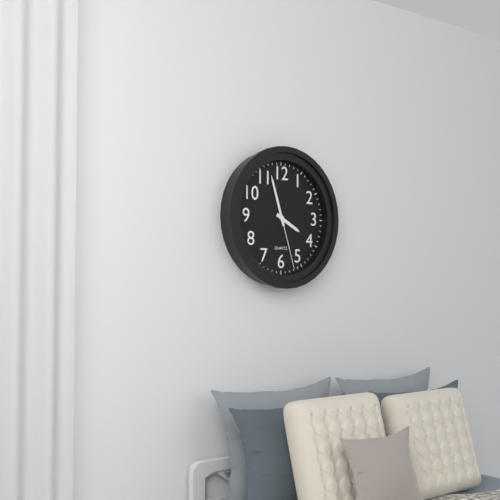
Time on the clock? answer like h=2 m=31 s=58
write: h=3 m=57 s=27
